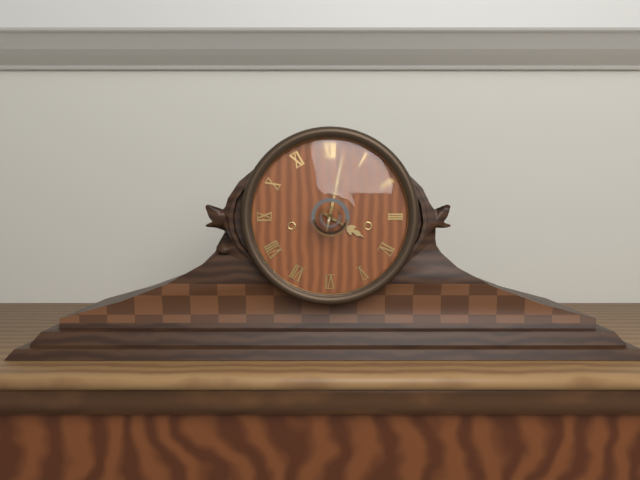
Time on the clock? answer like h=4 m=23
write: h=4 m=2
